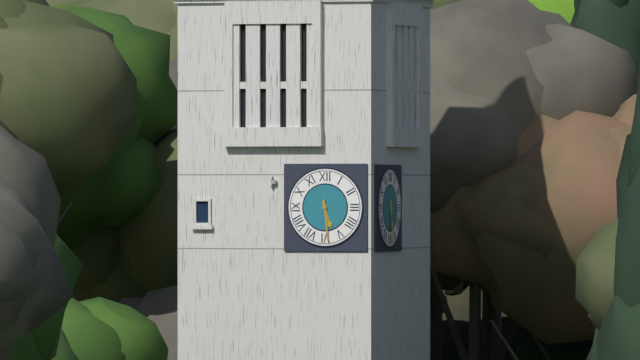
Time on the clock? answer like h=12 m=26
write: h=5 m=29
